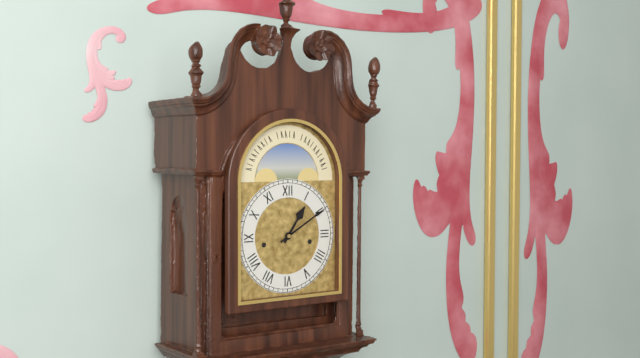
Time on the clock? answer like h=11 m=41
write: h=1 m=10
